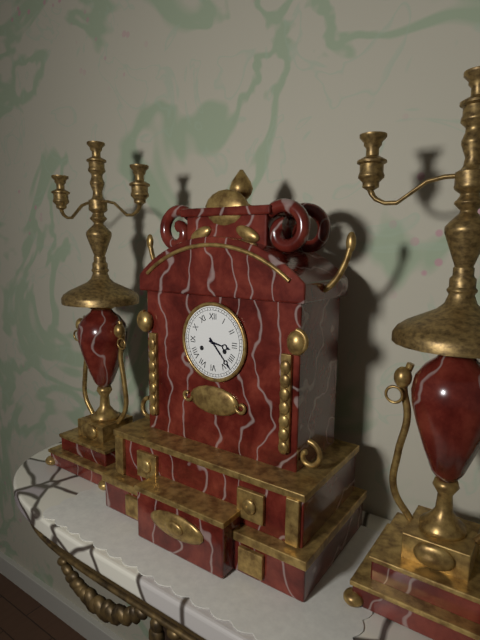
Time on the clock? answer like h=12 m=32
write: h=3 m=23
